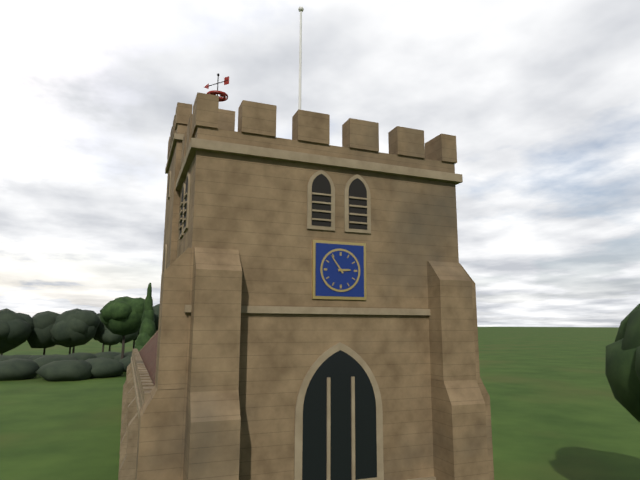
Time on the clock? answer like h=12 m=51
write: h=2 m=54
